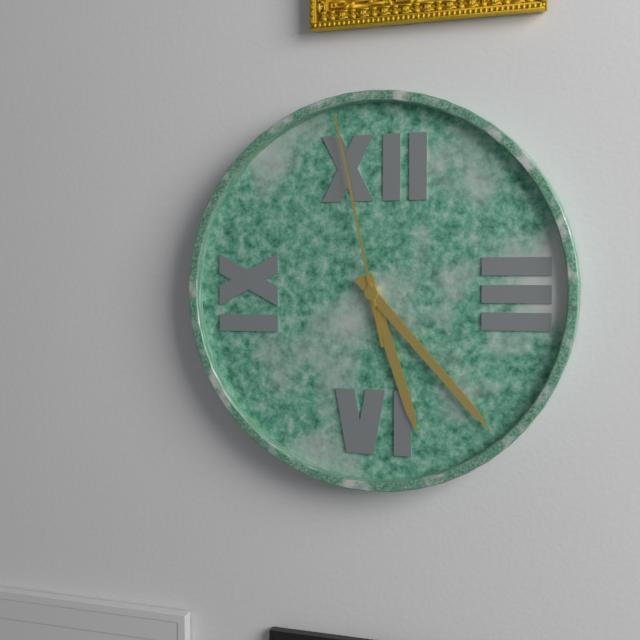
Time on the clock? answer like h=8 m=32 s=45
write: h=5 m=23 s=58
